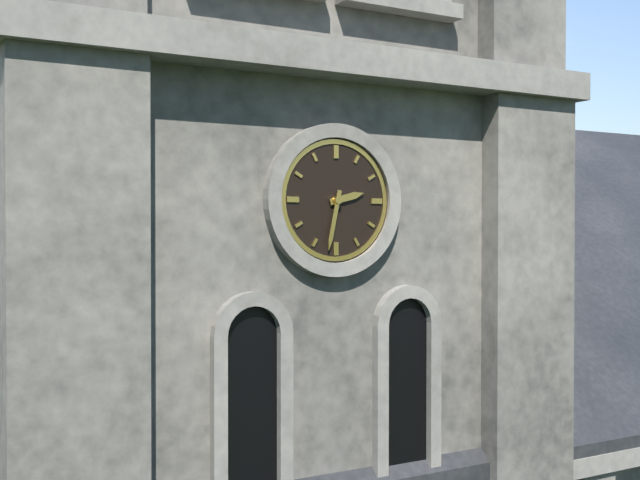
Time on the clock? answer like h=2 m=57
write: h=2 m=32
